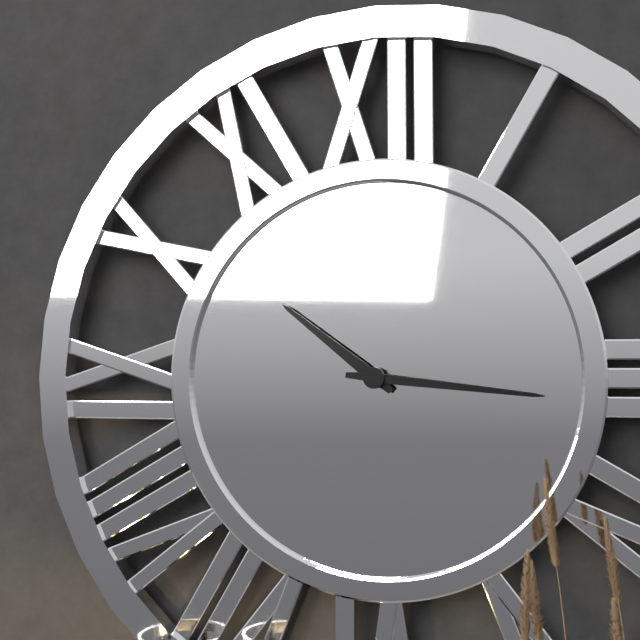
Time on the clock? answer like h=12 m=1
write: h=10 m=16
